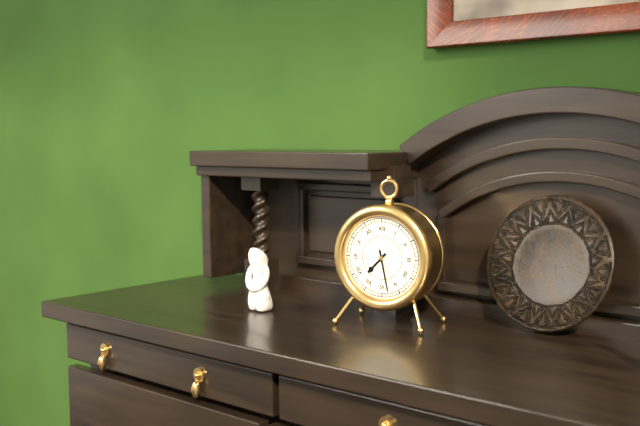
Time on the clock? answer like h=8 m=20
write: h=7 m=28
